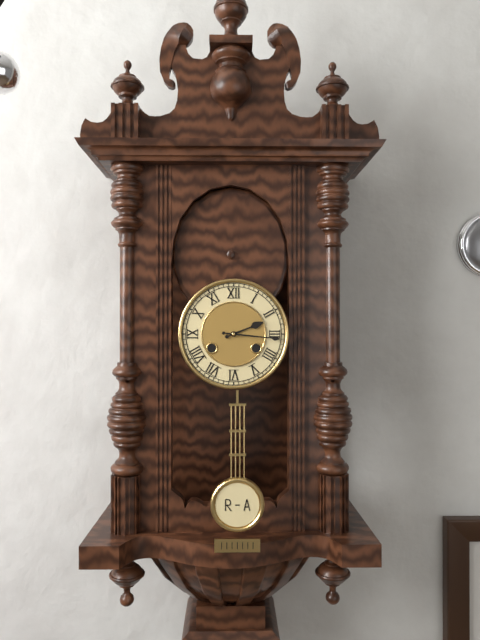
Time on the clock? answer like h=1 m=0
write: h=2 m=16
